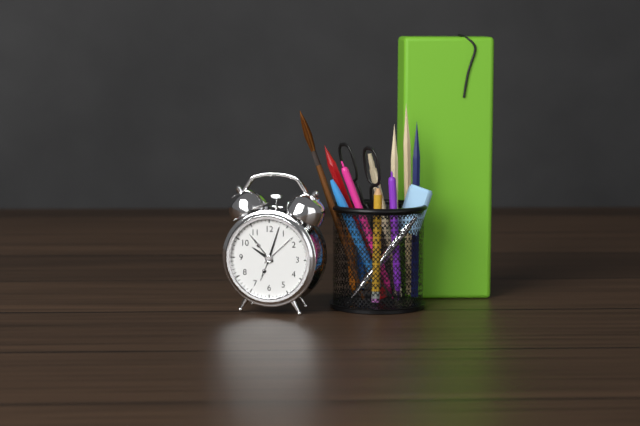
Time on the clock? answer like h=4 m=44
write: h=10 m=3
